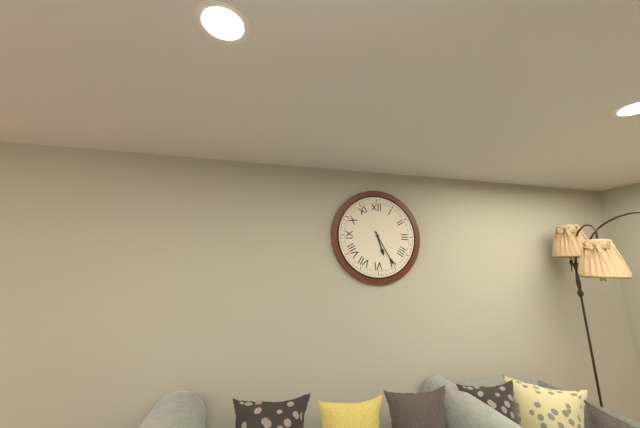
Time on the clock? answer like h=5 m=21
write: h=5 m=25
